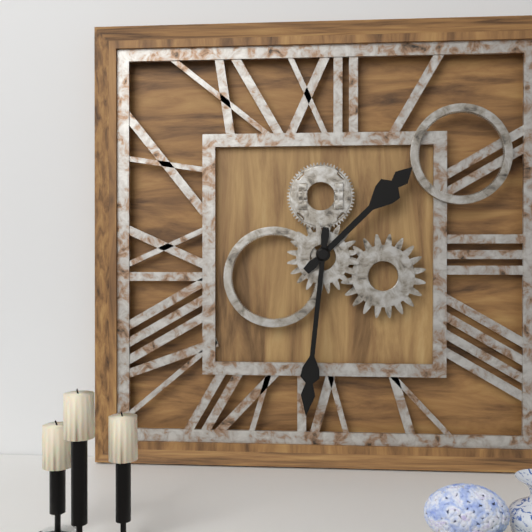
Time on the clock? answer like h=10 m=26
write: h=1 m=31
